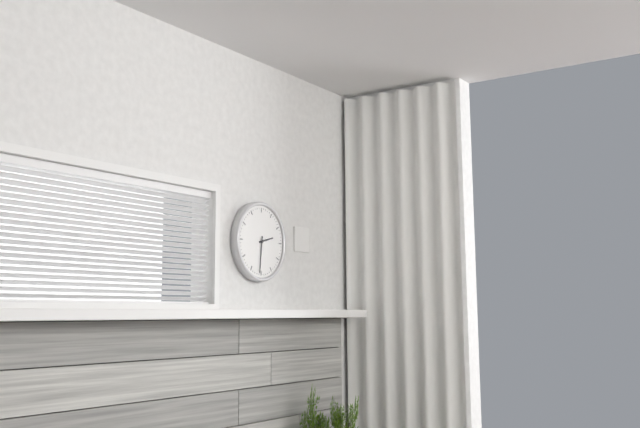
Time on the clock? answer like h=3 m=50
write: h=2 m=31
